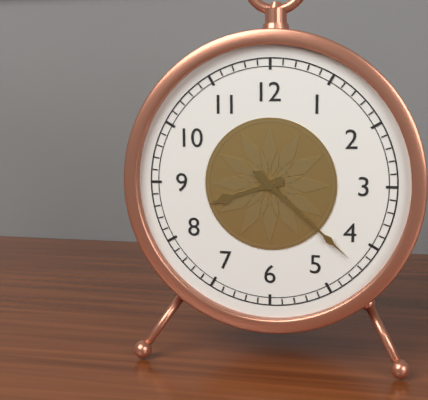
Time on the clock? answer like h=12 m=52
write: h=8 m=22
